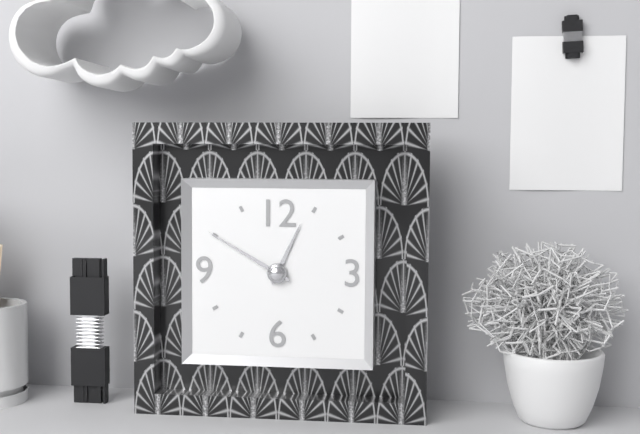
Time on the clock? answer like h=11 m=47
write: h=12 m=50
